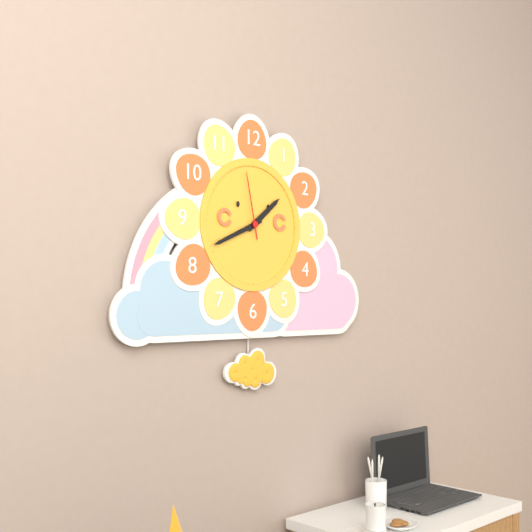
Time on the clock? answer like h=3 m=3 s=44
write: h=1 m=41 s=58
